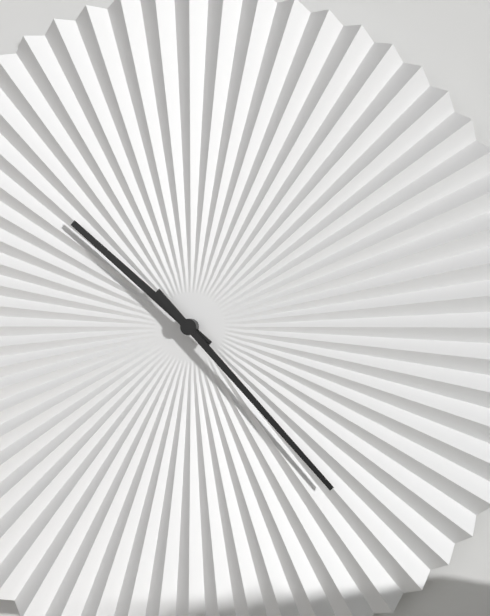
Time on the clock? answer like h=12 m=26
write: h=10 m=23
